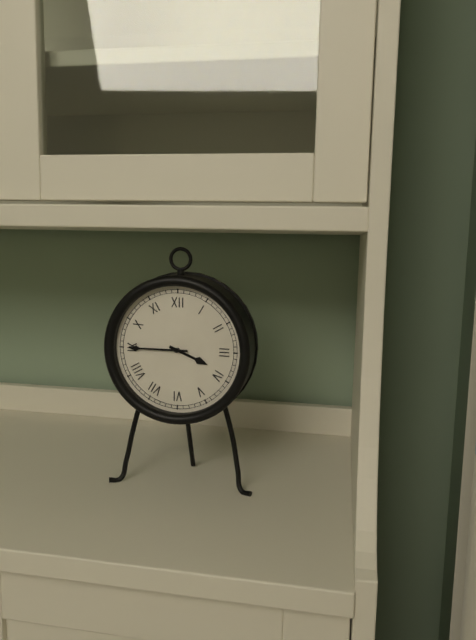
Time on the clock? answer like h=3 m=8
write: h=3 m=45
